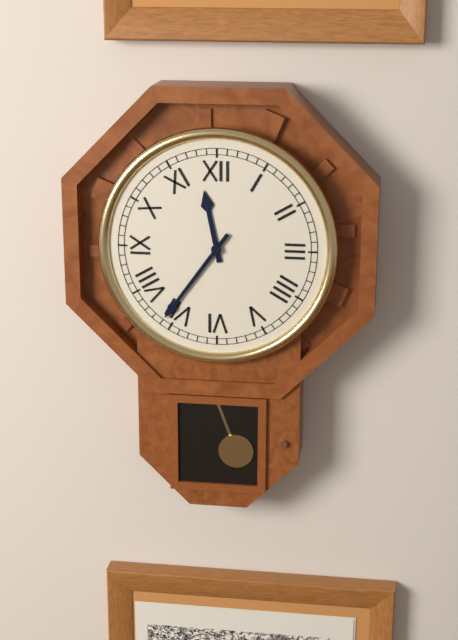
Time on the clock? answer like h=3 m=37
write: h=11 m=36
